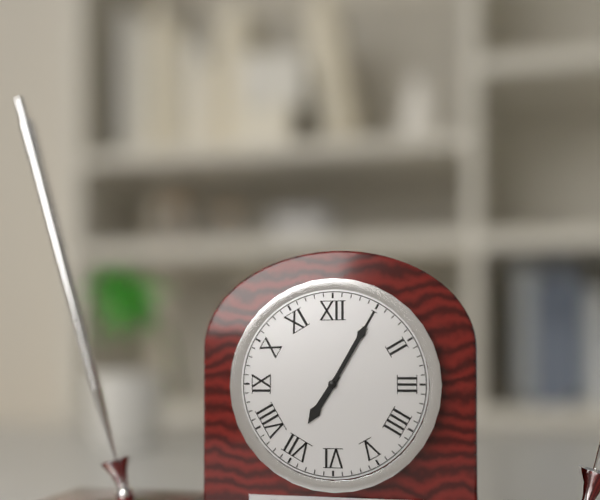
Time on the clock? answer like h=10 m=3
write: h=7 m=5
